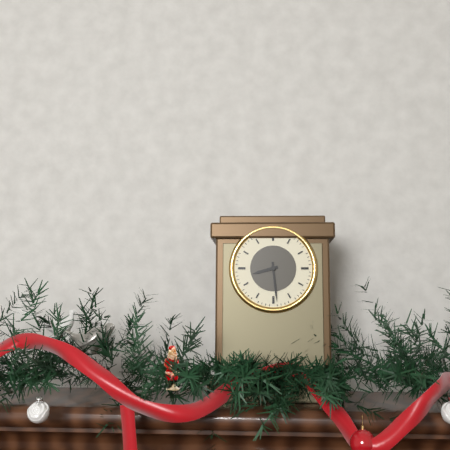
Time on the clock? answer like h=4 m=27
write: h=8 m=29
